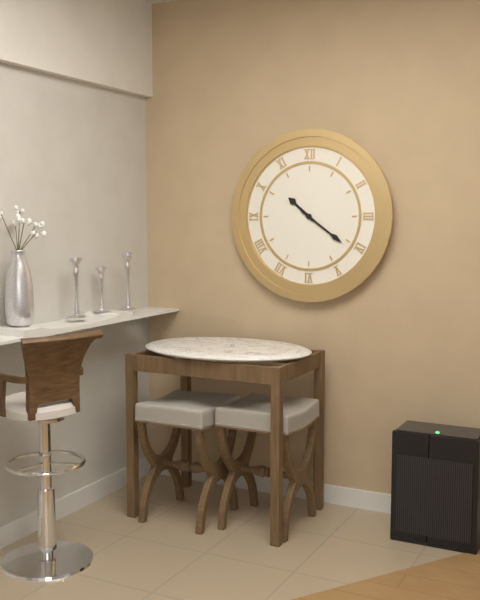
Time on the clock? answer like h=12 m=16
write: h=10 m=21
